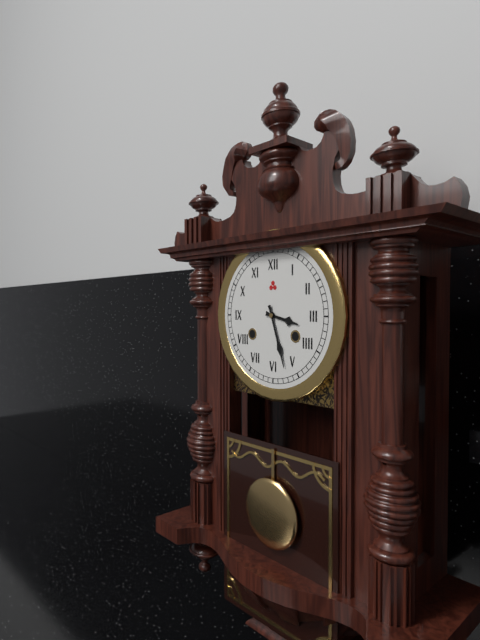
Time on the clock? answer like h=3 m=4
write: h=3 m=27
